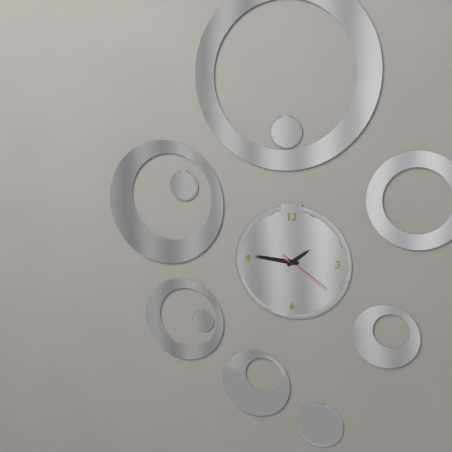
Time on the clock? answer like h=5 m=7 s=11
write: h=1 m=46 s=21
